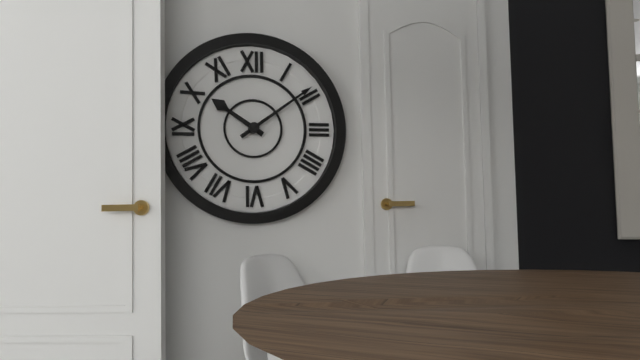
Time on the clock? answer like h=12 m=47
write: h=10 m=9
